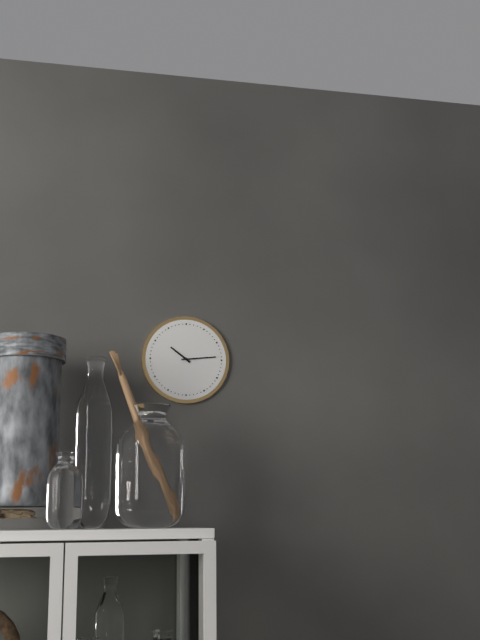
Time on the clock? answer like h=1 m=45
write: h=10 m=14
